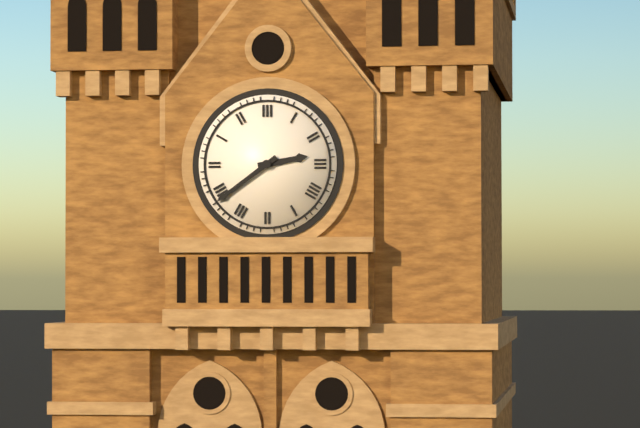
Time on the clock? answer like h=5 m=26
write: h=2 m=39
